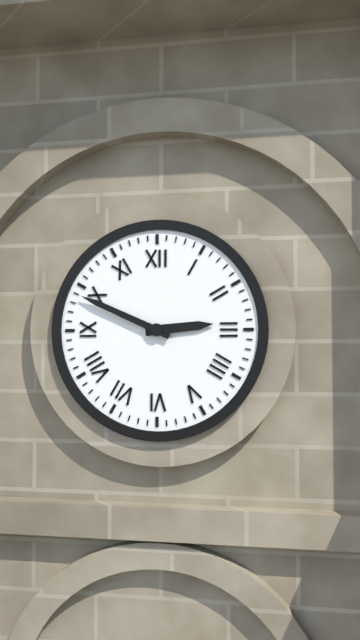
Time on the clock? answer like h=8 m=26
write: h=2 m=49
